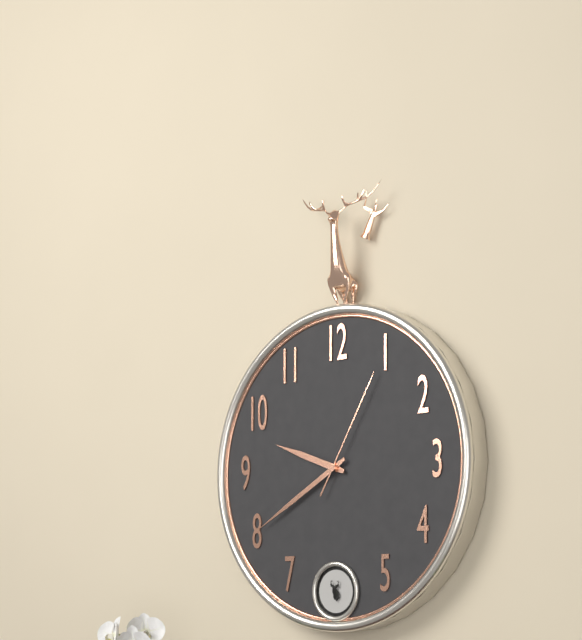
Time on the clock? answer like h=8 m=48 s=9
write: h=9 m=40 s=5
